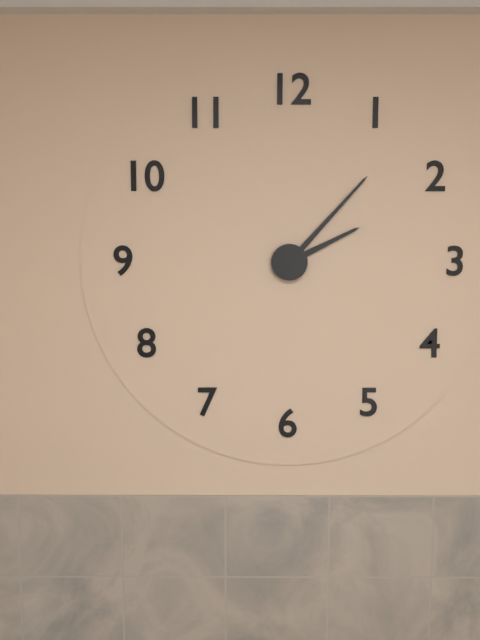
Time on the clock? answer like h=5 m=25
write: h=2 m=7
